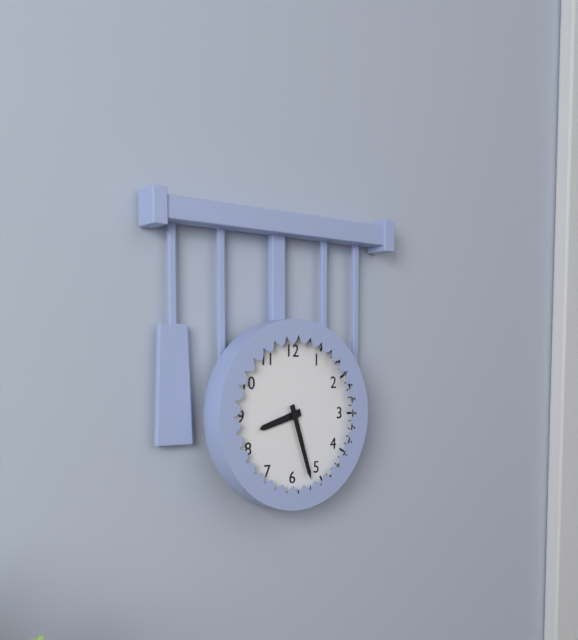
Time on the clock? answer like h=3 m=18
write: h=8 m=27
